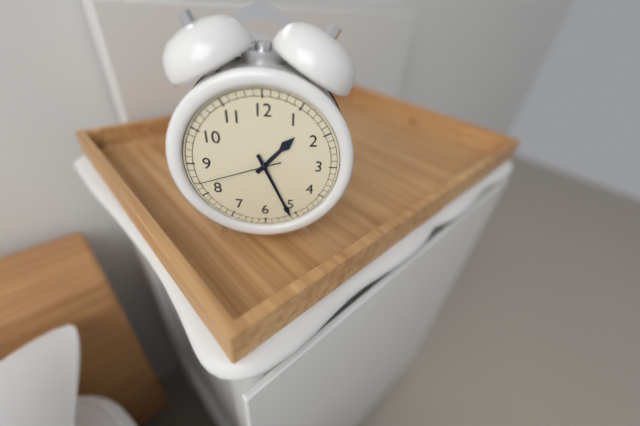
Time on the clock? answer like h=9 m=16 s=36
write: h=1 m=26 s=42
